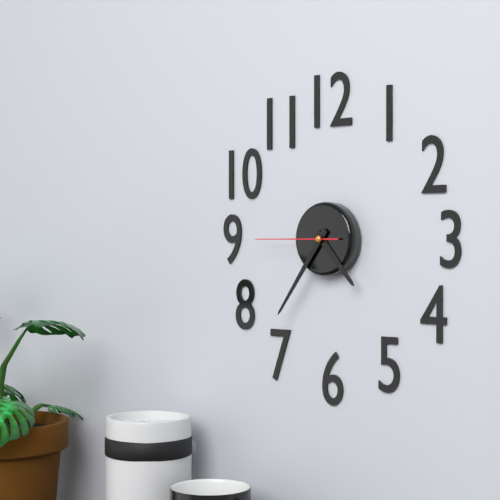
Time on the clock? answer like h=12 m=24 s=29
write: h=4 m=36 s=45
